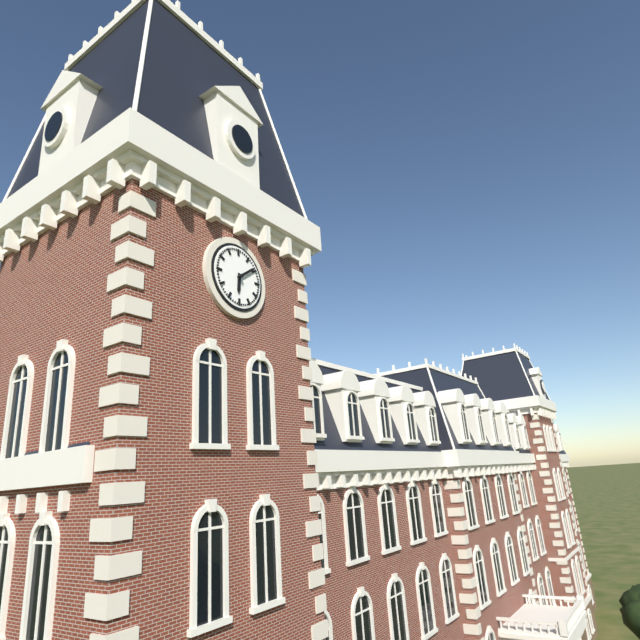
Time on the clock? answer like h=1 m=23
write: h=6 m=9
